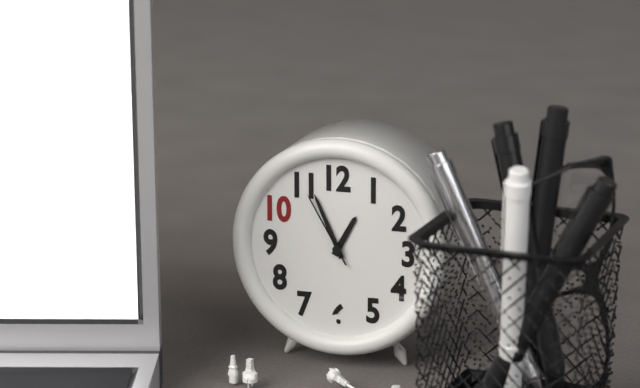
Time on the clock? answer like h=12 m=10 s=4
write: h=12 m=56 s=55
